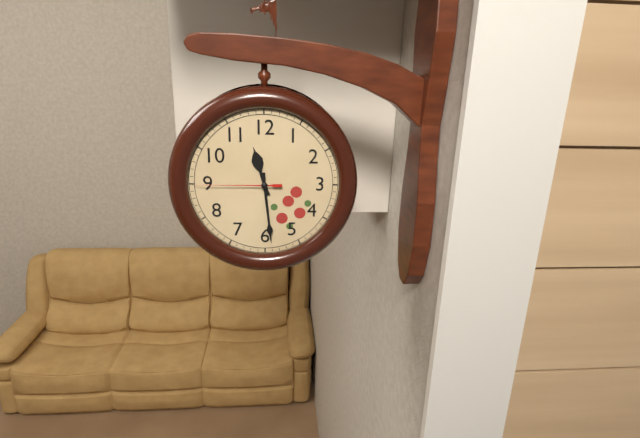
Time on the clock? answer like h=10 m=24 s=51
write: h=11 m=29 s=45
